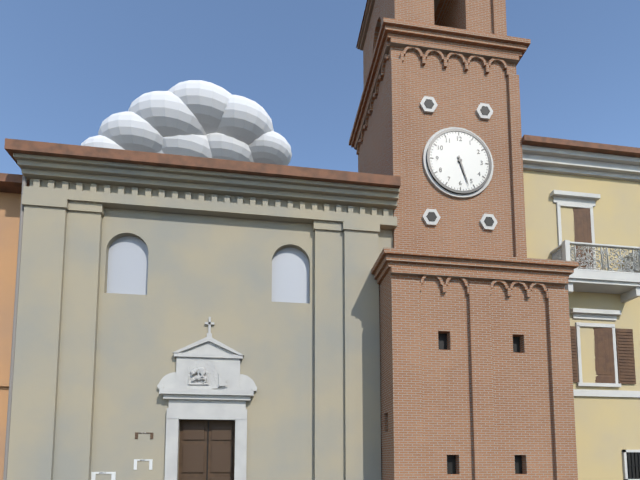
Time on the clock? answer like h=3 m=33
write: h=5 m=27
